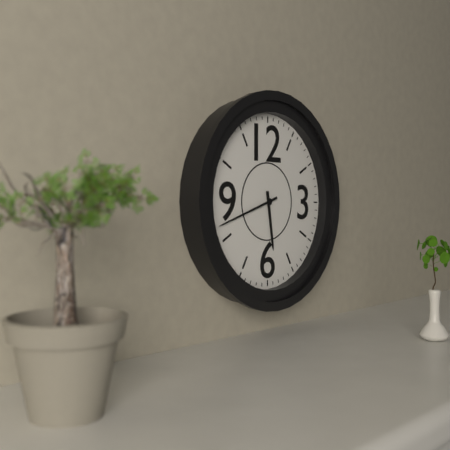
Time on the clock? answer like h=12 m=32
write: h=5 m=42
